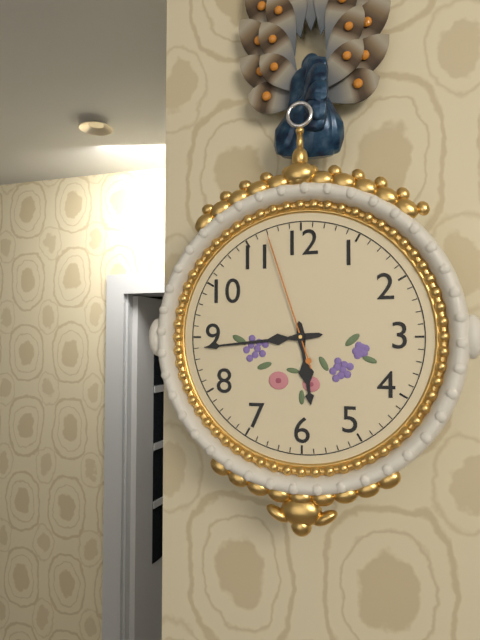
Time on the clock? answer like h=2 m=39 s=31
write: h=5 m=44 s=57
